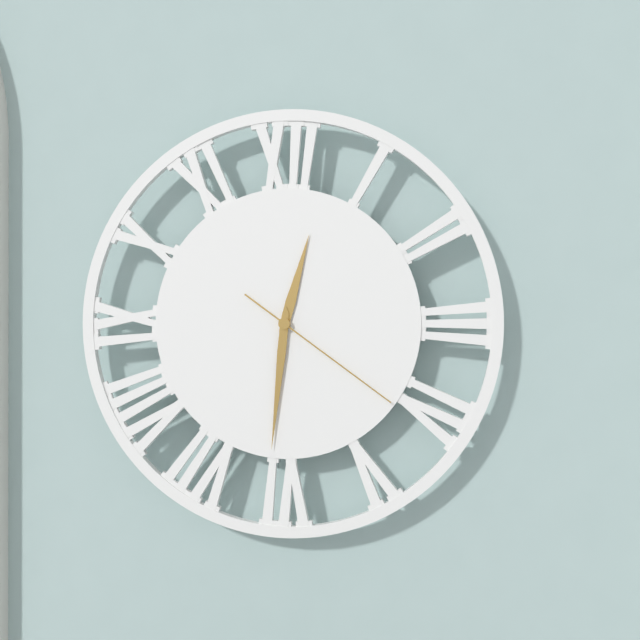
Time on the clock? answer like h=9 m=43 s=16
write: h=12 m=31 s=21
